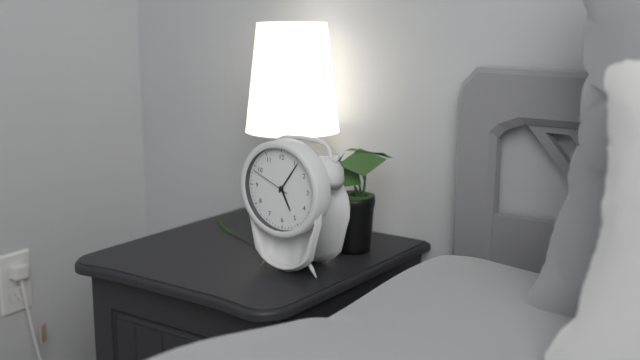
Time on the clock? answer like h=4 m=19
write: h=5 m=6
